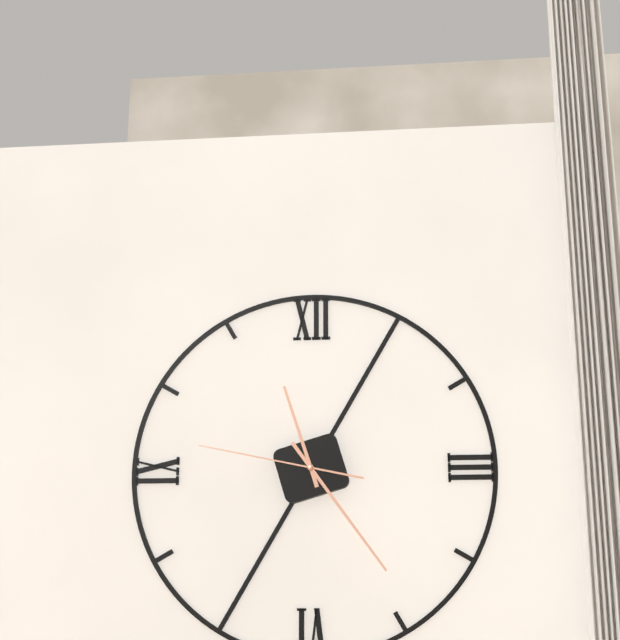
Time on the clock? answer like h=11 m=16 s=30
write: h=11 m=24 s=47
